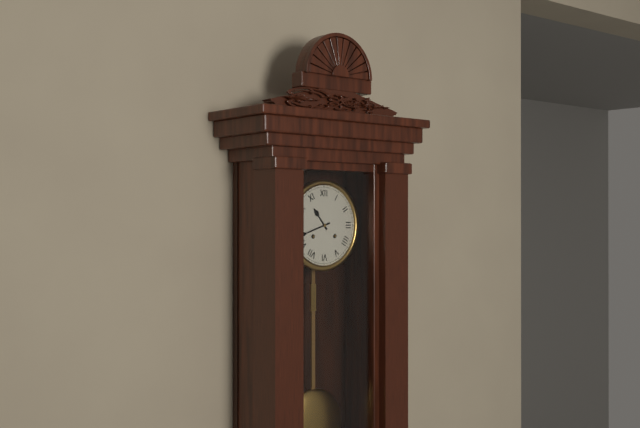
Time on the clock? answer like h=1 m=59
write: h=10 m=42
